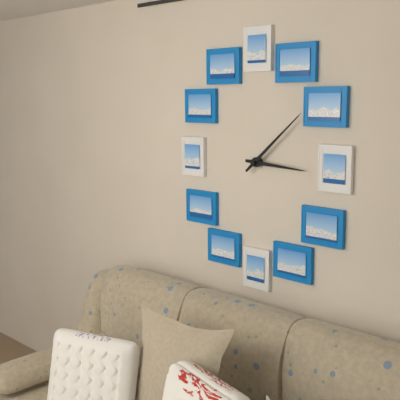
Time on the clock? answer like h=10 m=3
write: h=3 m=8
